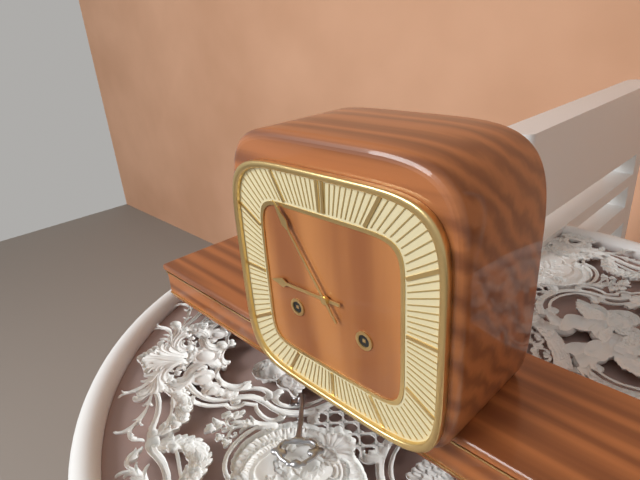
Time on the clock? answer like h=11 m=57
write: h=8 m=54
